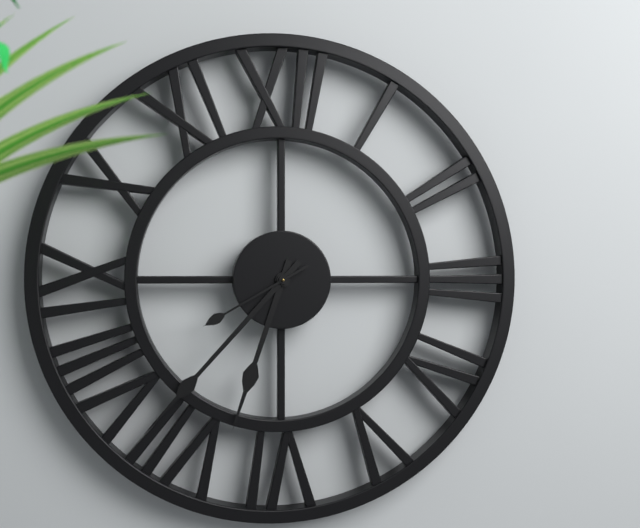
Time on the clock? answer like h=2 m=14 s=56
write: h=6 m=37 s=40
